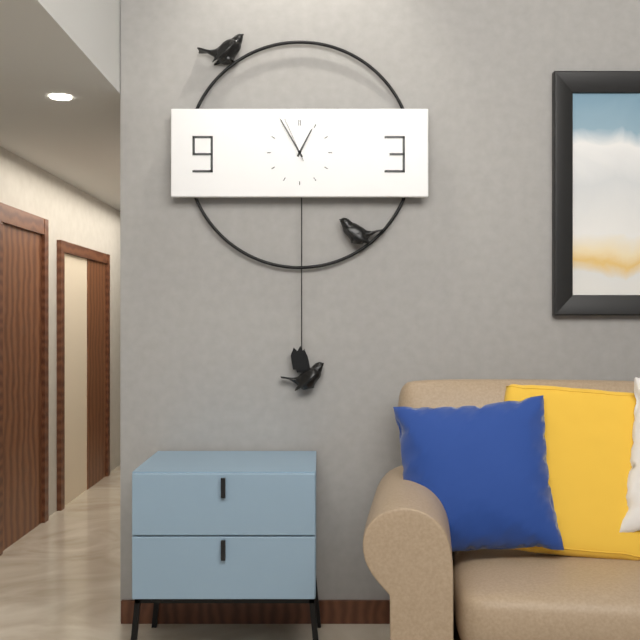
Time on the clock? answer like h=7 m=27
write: h=12 m=55
